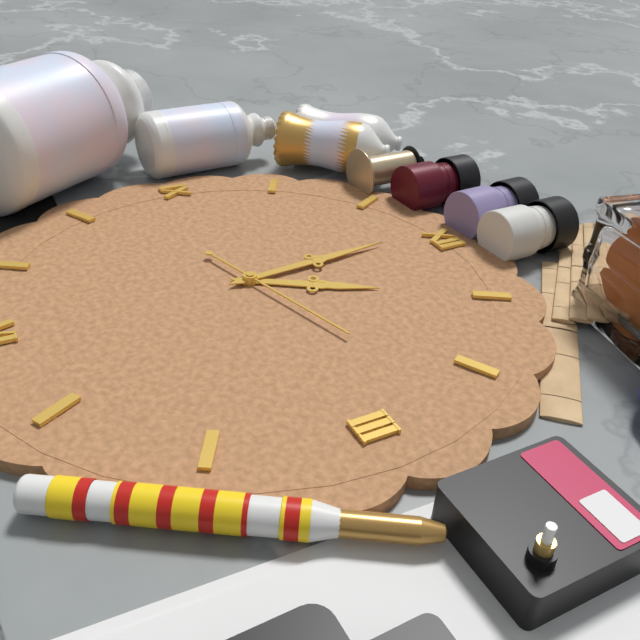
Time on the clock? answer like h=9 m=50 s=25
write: h=12 m=59 s=12
